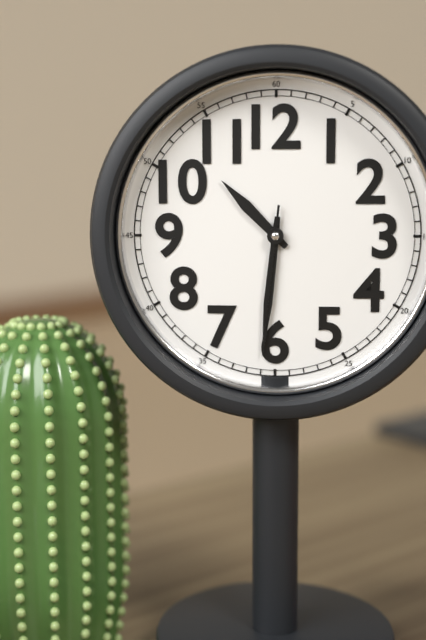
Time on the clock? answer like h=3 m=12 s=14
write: h=10 m=31 s=31
